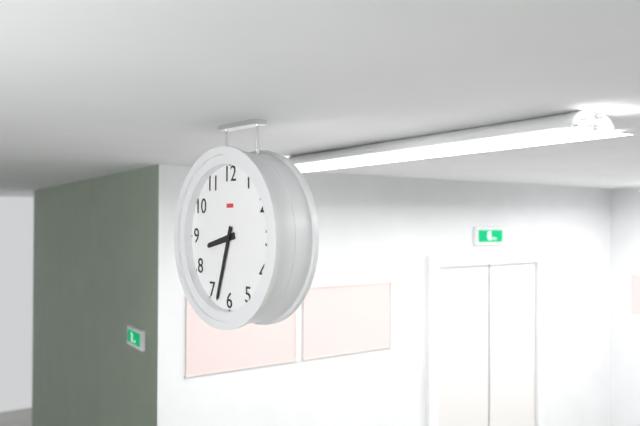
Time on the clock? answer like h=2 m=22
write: h=8 m=33
